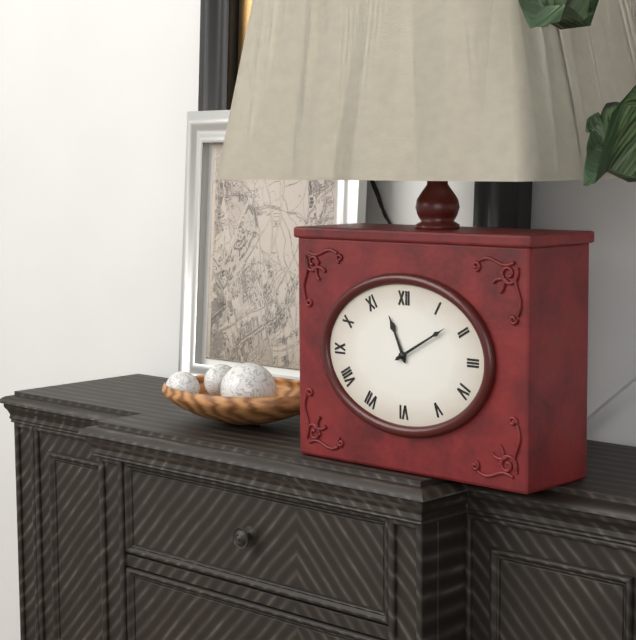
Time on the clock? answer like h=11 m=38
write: h=11 m=10
